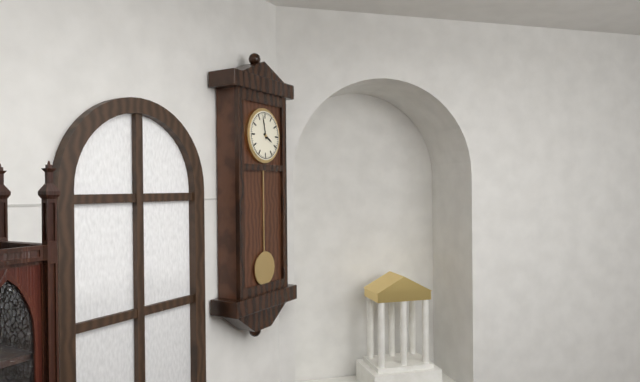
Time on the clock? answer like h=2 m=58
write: h=3 m=58
